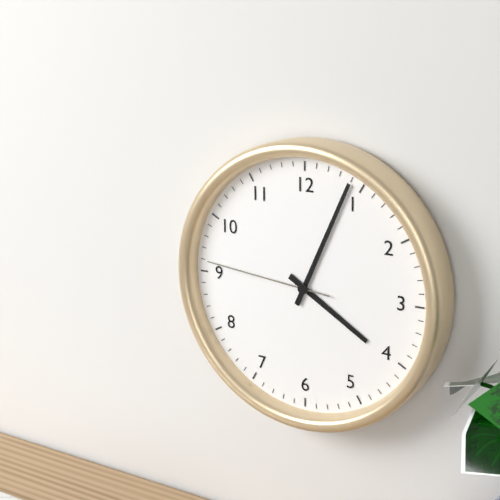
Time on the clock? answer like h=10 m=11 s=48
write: h=4 m=4 s=46
